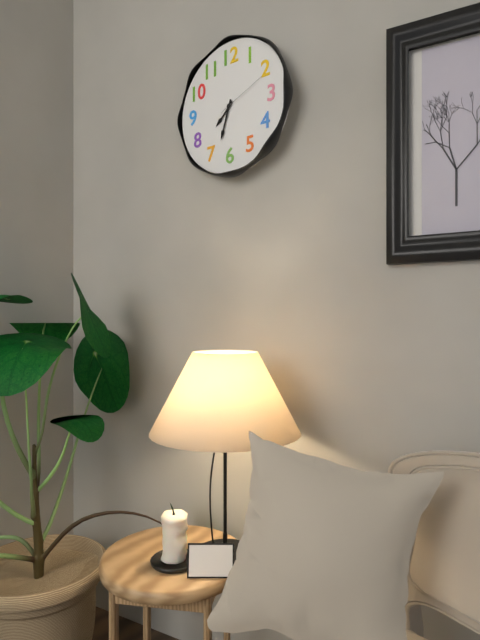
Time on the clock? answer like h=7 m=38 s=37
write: h=7 m=33 s=11
